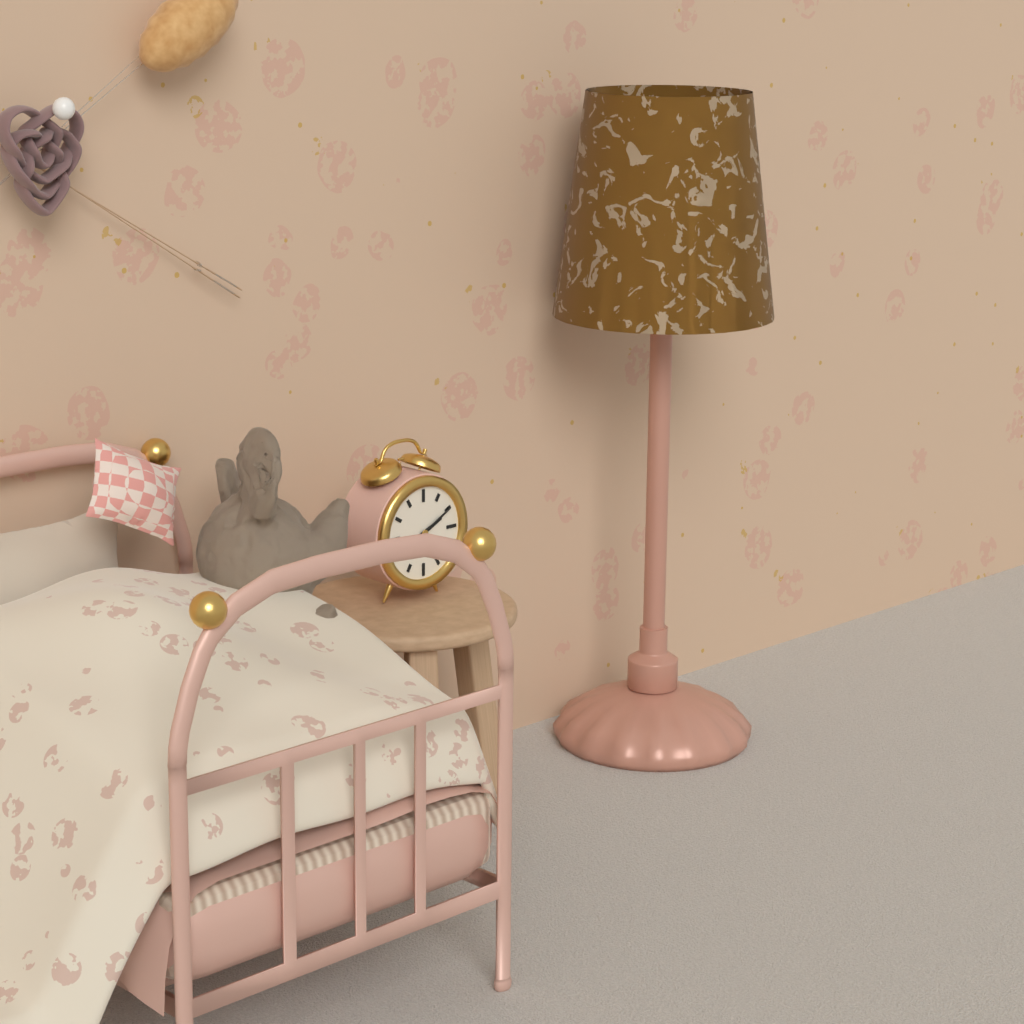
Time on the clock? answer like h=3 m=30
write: h=2 m=10
